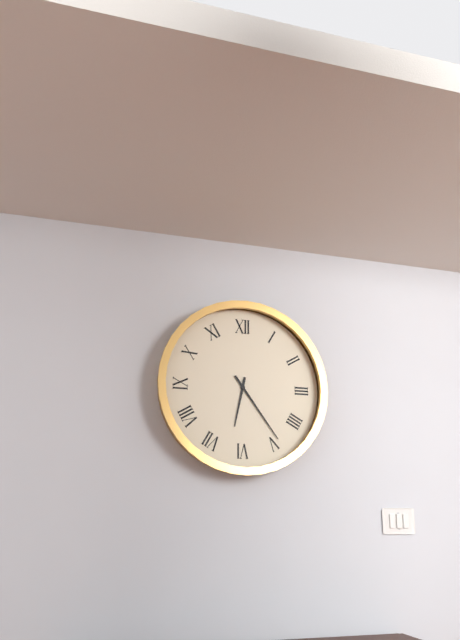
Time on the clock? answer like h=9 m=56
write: h=6 m=24
